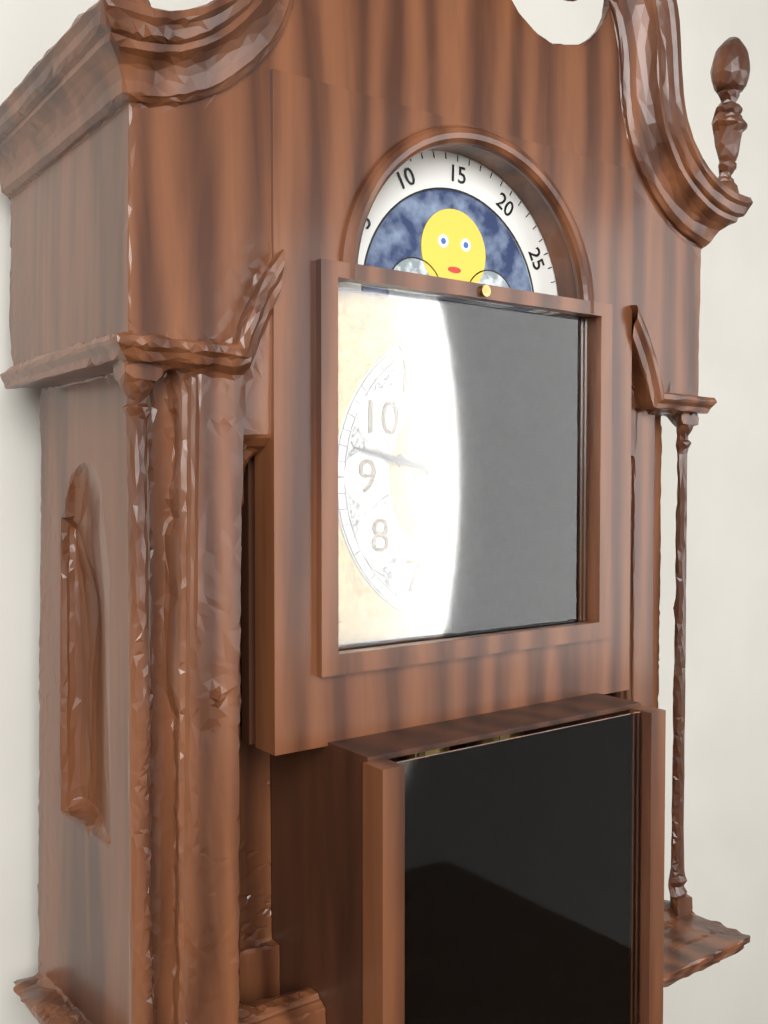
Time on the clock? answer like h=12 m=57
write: h=2 m=47
